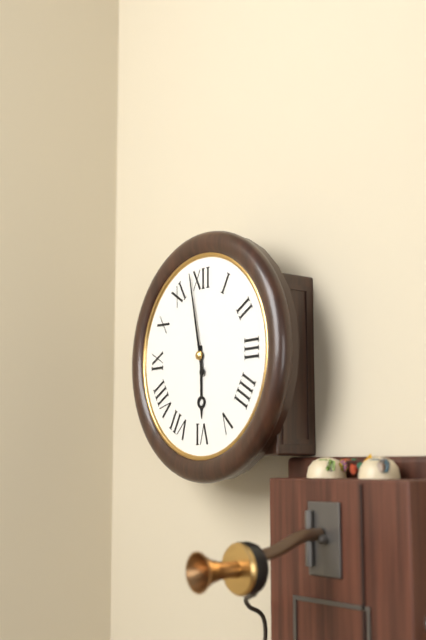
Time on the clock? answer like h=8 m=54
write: h=5 m=58
